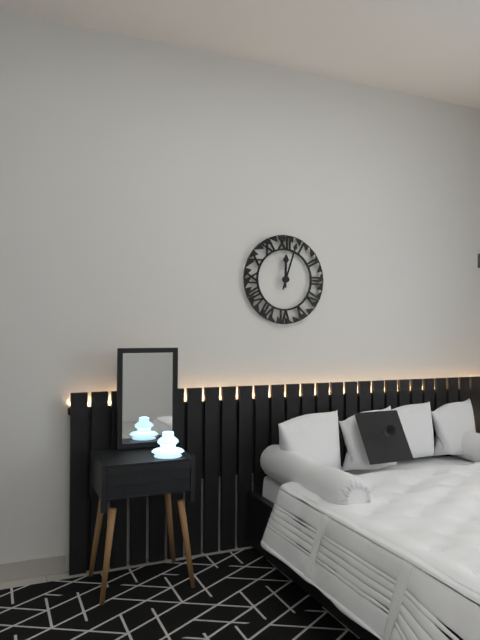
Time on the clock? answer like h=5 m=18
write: h=12 m=3
